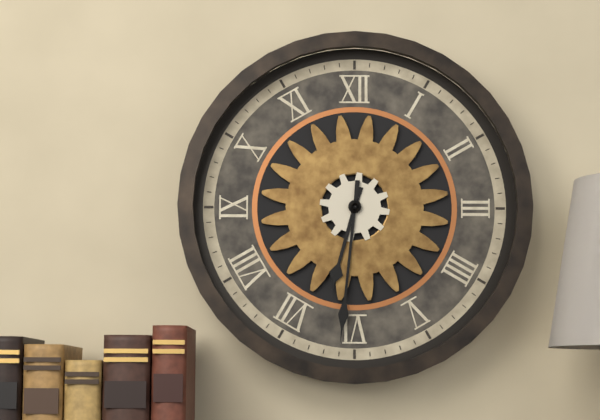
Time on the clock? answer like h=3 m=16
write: h=6 m=31
